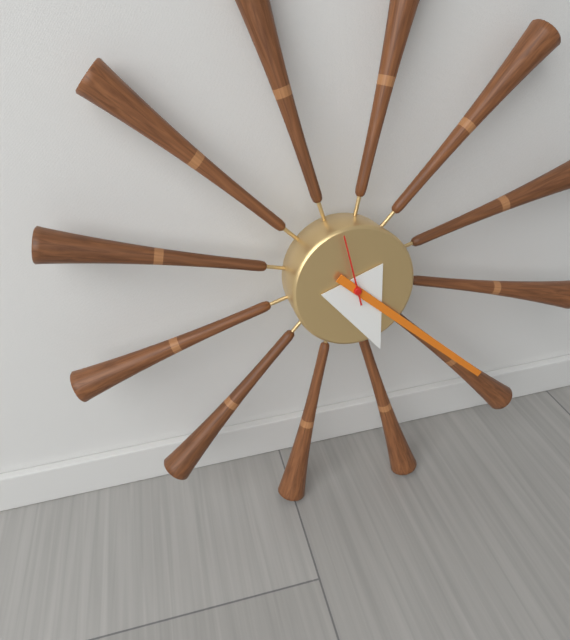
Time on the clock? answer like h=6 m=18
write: h=5 m=22
